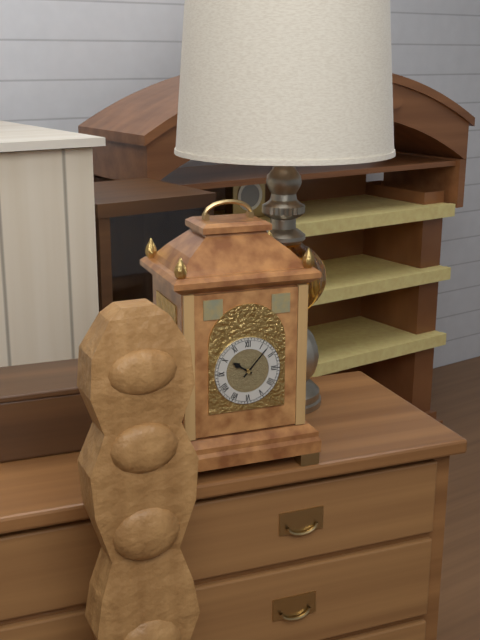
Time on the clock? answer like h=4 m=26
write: h=10 m=7
